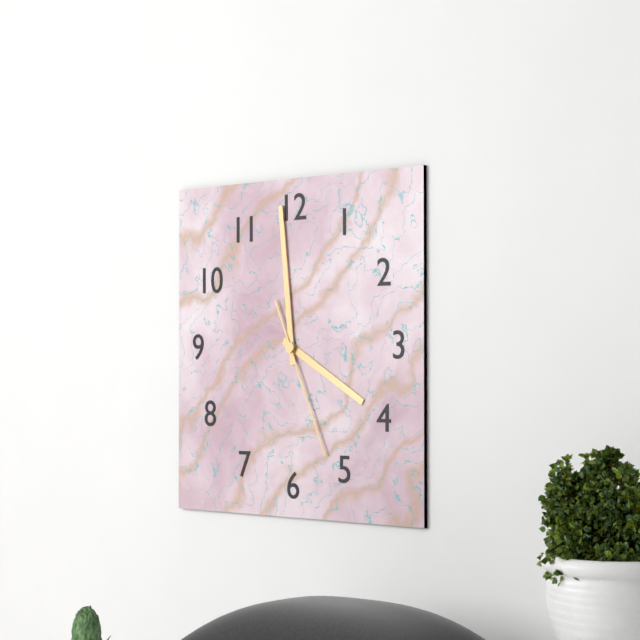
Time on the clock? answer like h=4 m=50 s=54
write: h=3 m=59 s=26
